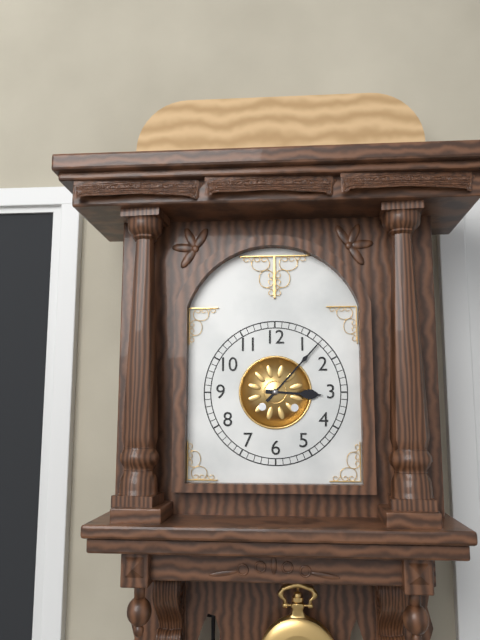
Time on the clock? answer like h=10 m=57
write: h=3 m=7
